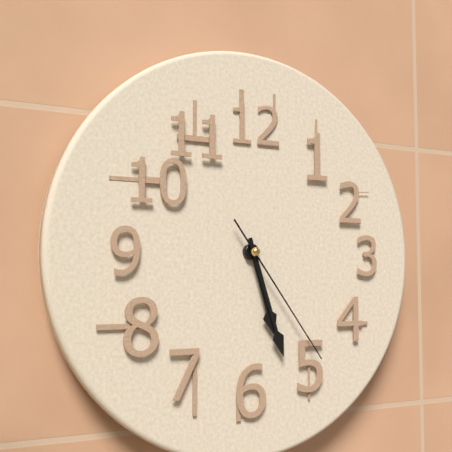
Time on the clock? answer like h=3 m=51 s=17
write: h=5 m=27 s=24
